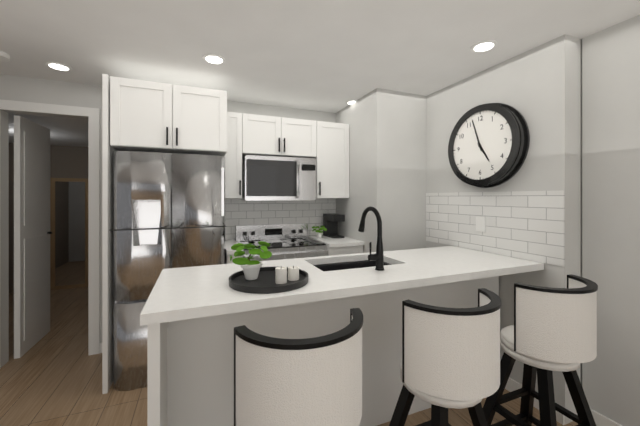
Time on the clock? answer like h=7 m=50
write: h=4 m=57
